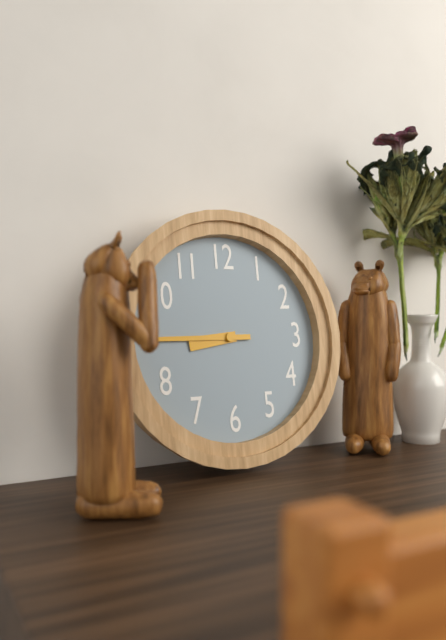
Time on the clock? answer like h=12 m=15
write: h=8 m=45
